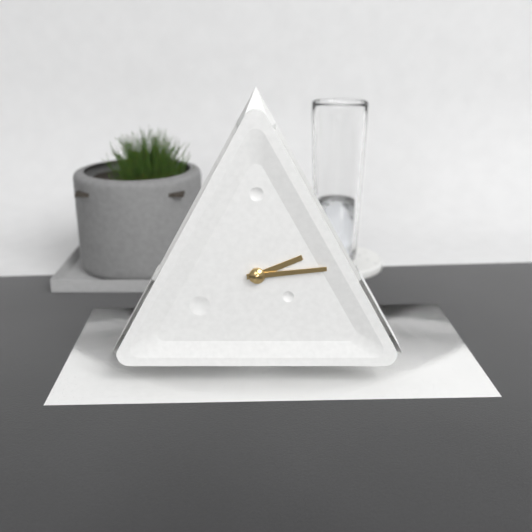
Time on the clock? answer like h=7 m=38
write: h=2 m=14
